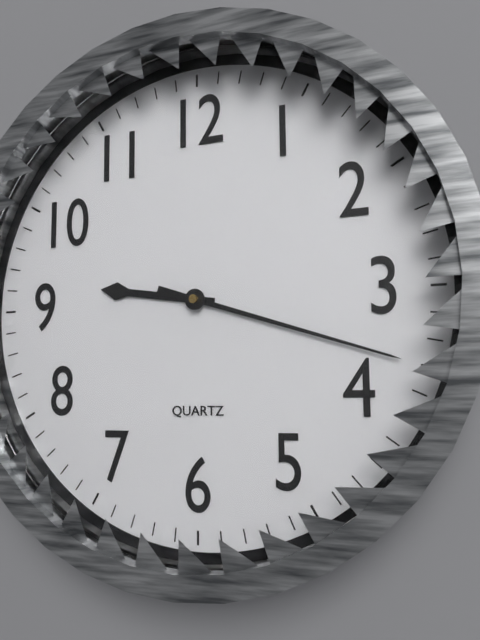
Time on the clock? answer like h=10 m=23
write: h=9 m=18
